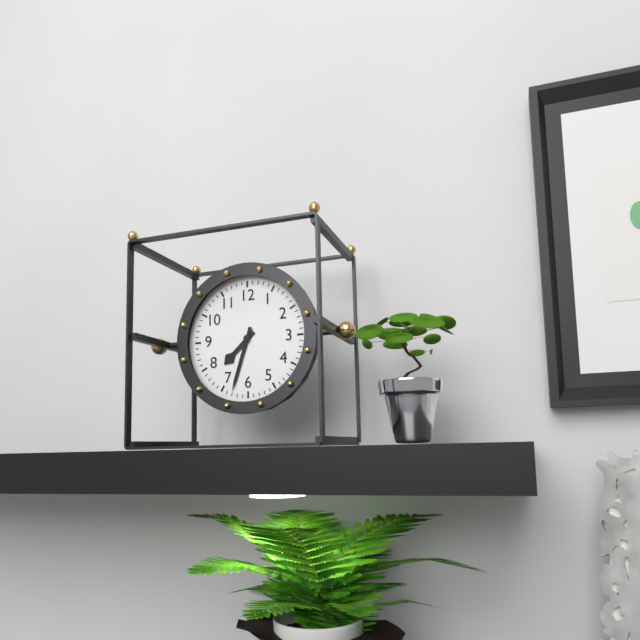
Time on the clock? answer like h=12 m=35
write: h=7 m=33
